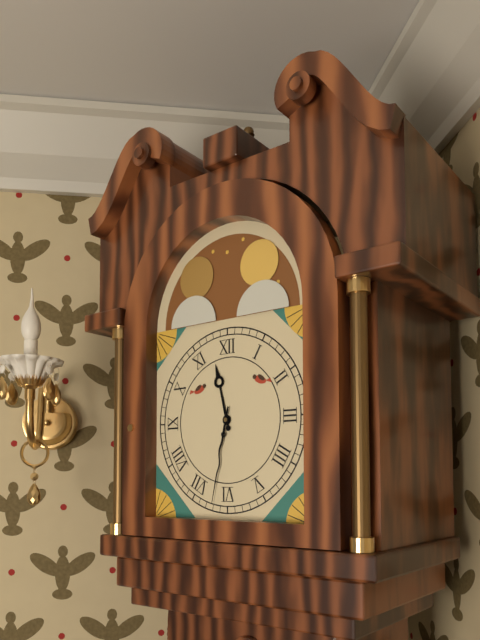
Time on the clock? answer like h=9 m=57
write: h=11 m=32
